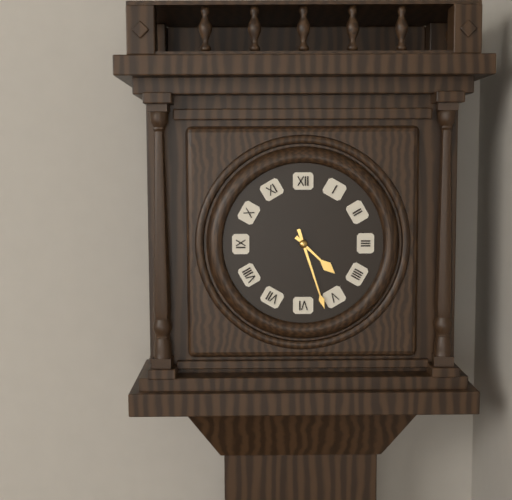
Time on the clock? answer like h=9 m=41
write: h=4 m=27
